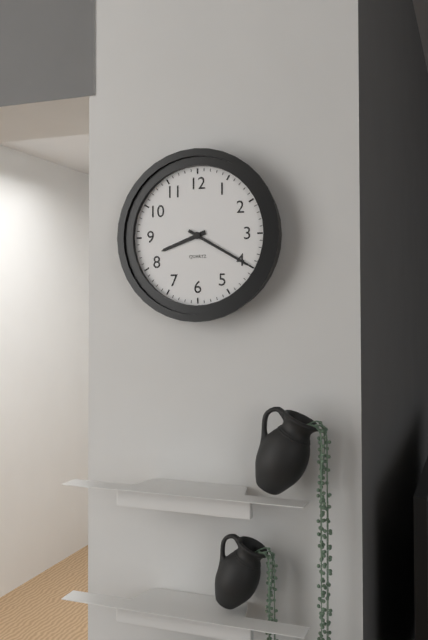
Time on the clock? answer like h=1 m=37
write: h=8 m=20
